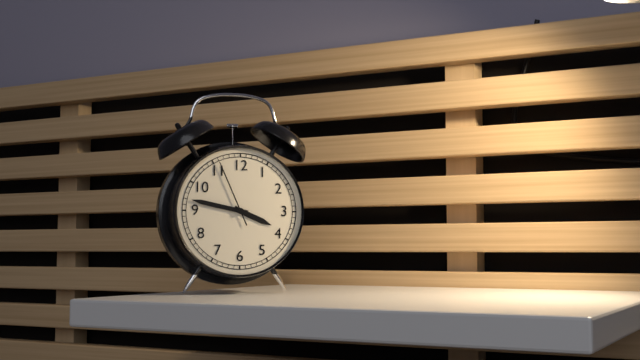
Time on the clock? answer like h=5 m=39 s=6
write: h=3 m=47 s=56
